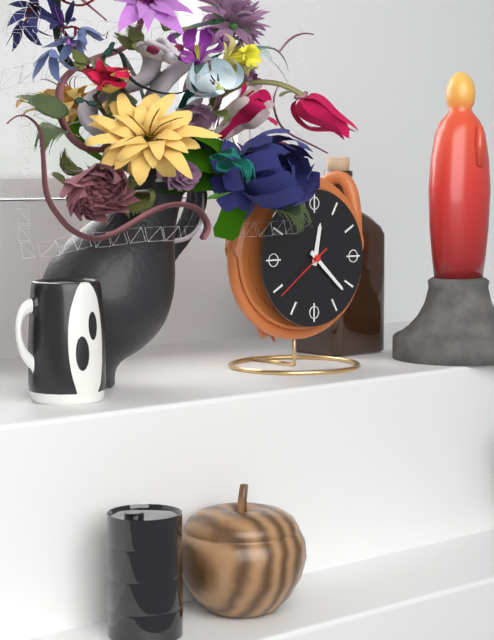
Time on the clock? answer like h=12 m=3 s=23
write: h=12 m=22 s=39
